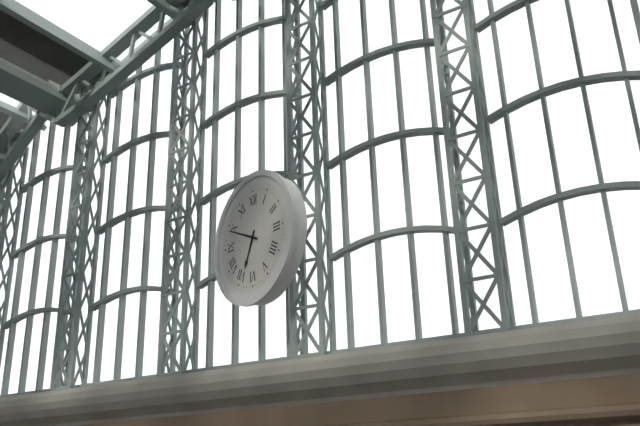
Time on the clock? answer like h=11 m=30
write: h=6 m=49
